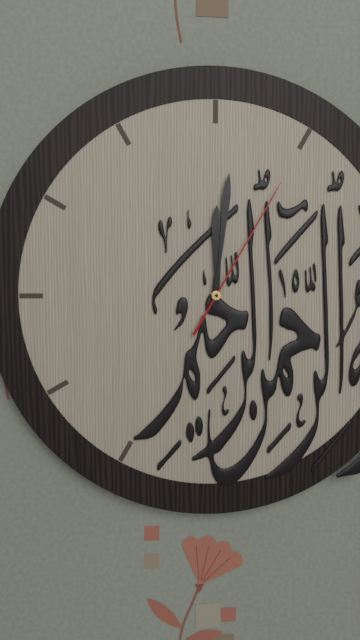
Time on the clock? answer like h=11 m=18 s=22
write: h=12 m=1 s=5
